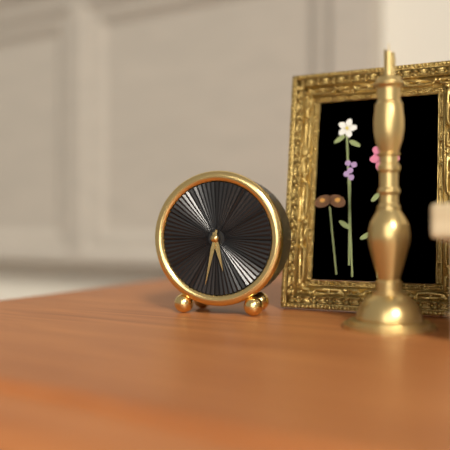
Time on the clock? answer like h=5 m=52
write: h=5 m=32
